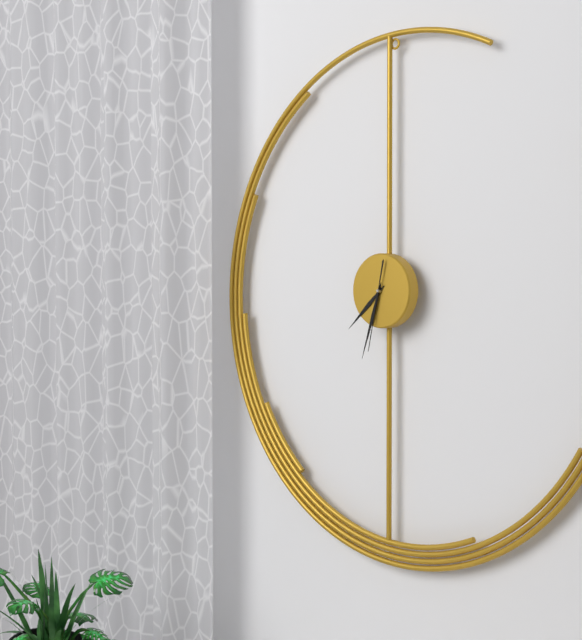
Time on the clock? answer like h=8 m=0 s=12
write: h=7 m=33 s=32
